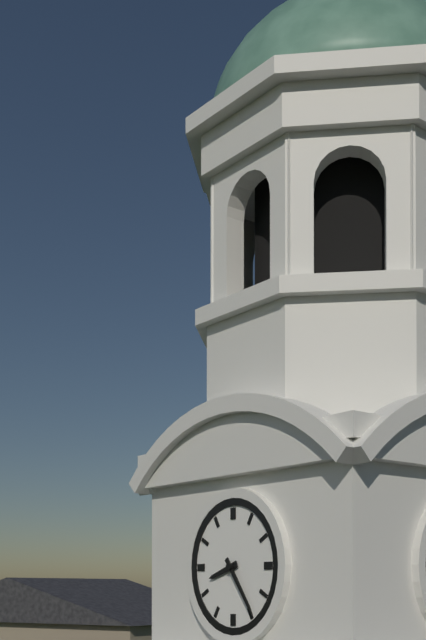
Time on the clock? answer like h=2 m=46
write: h=8 m=24
